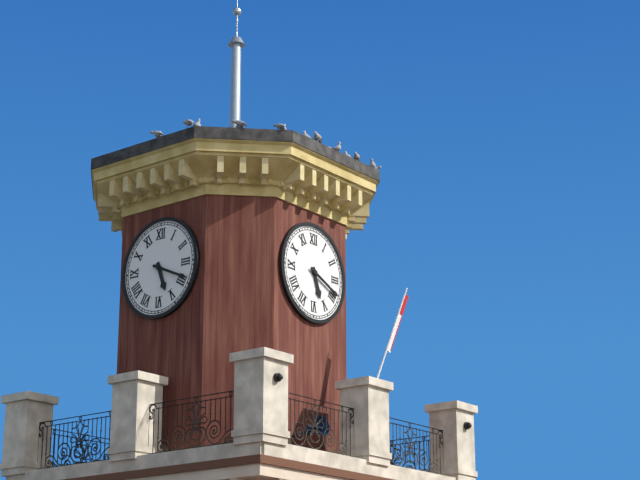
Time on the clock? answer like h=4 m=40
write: h=5 m=19
